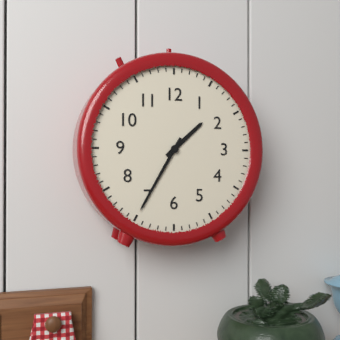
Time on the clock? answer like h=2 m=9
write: h=1 m=35
